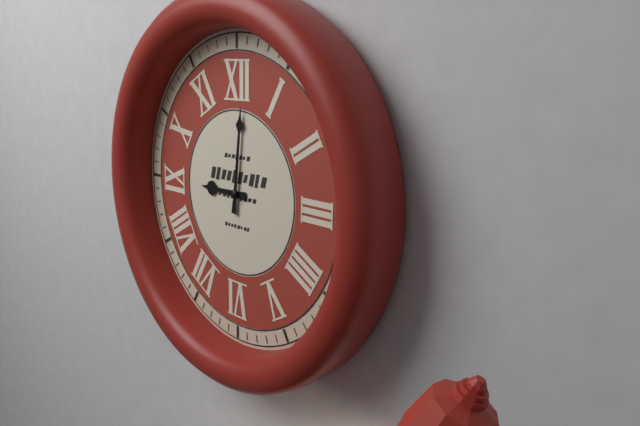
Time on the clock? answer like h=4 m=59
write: h=9 m=1
